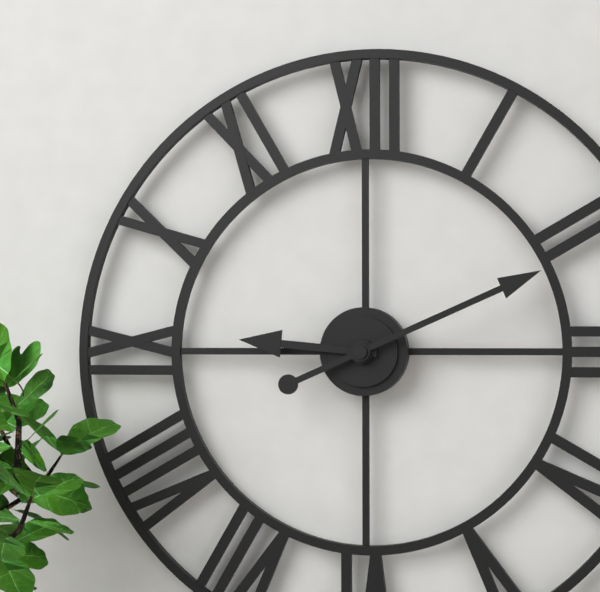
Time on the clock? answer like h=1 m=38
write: h=9 m=11
